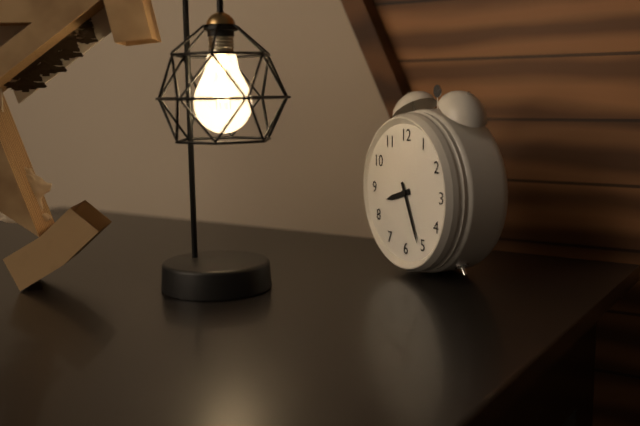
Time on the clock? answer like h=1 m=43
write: h=8 m=26
